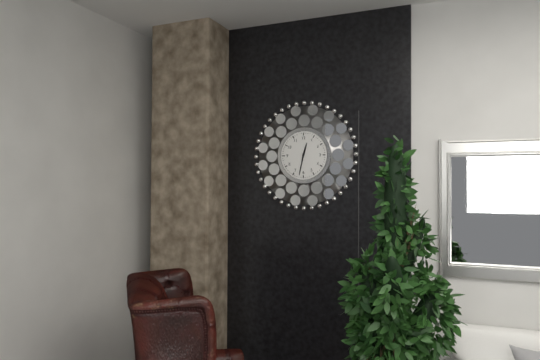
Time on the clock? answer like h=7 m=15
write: h=12 m=32
